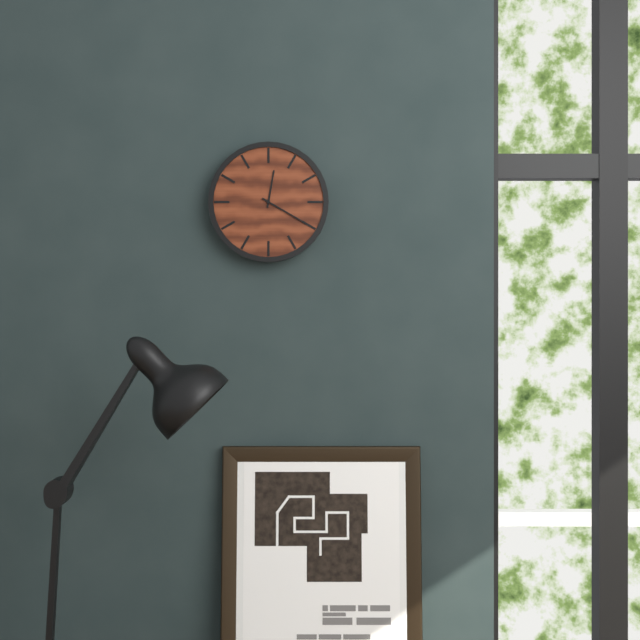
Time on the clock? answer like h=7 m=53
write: h=12 m=20
